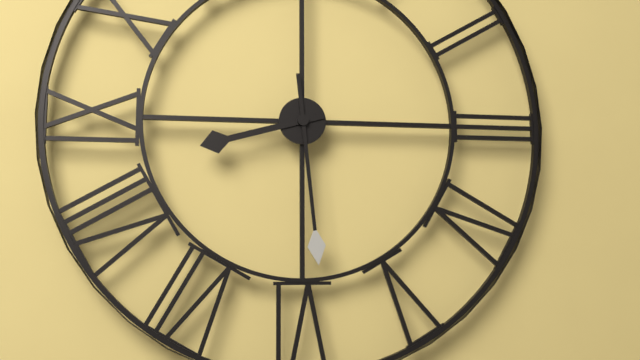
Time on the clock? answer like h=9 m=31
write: h=8 m=29
